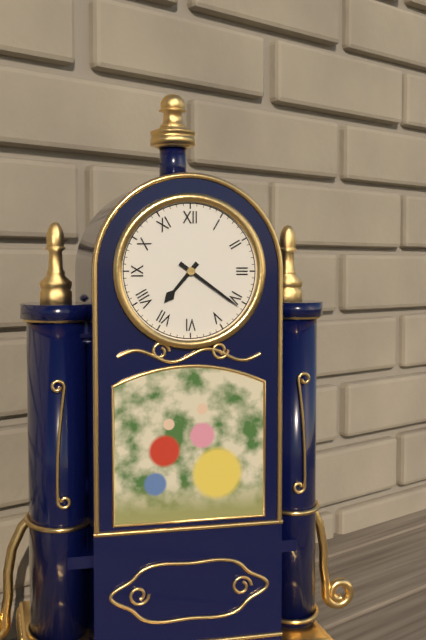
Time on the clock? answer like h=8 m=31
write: h=7 m=21
